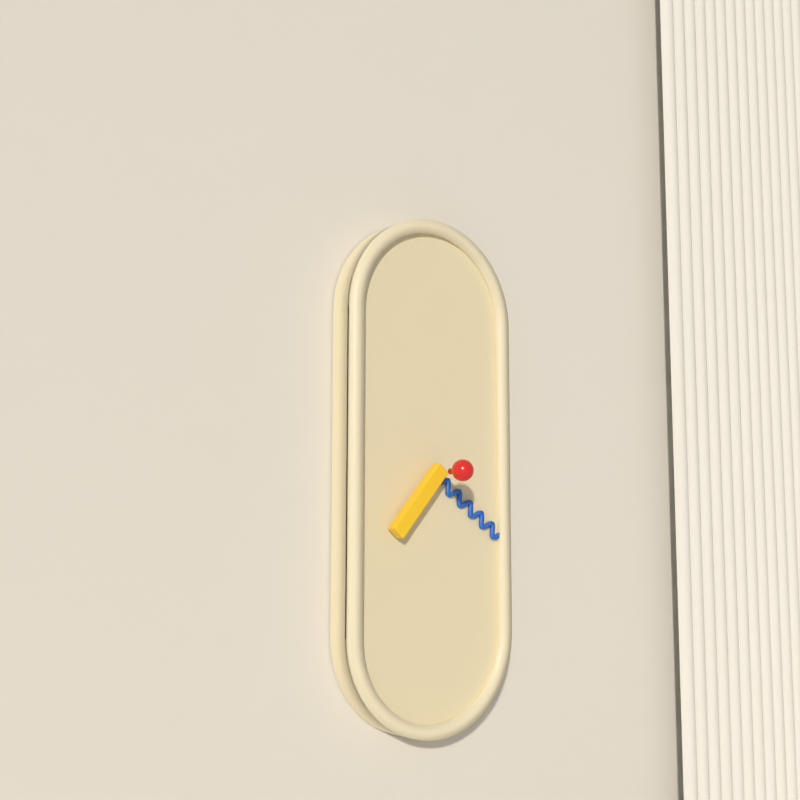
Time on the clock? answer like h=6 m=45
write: h=7 m=21
